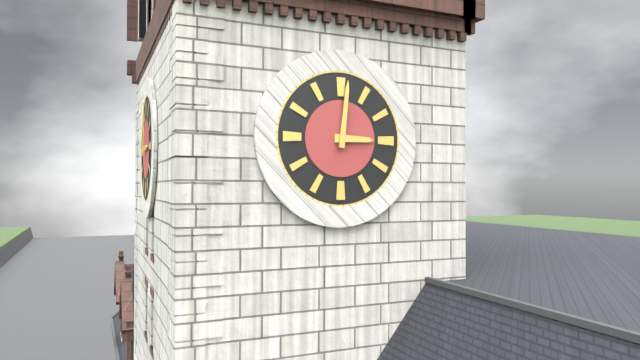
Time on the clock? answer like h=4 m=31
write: h=3 m=1
